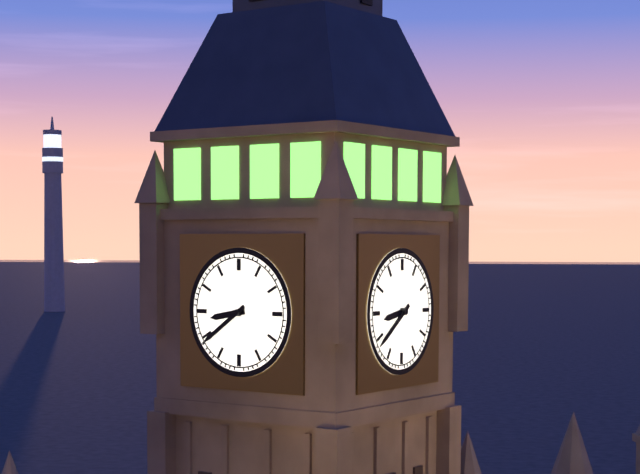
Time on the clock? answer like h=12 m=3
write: h=8 m=39
